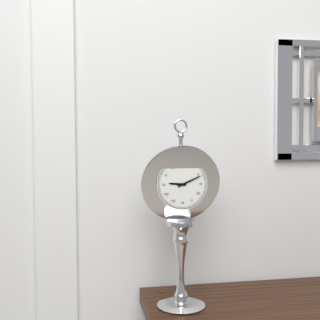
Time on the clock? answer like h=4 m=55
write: h=9 m=11
